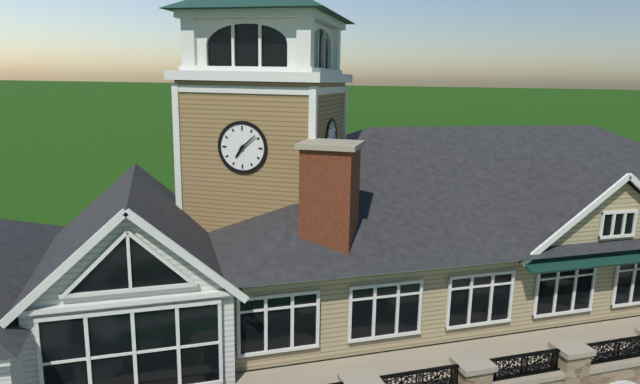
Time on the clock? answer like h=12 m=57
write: h=7 m=8
